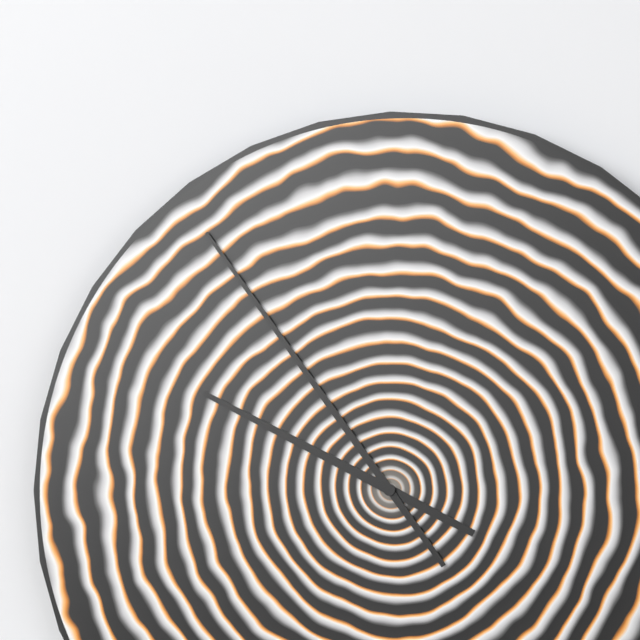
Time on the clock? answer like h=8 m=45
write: h=9 m=54
